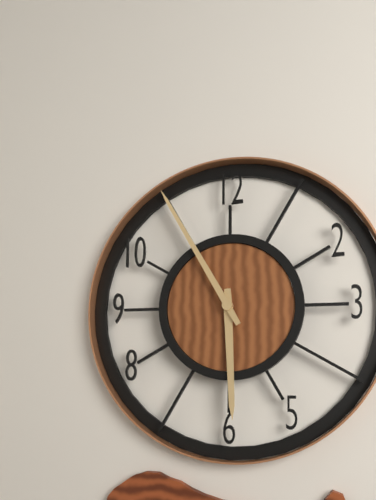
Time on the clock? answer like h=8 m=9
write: h=5 m=55
